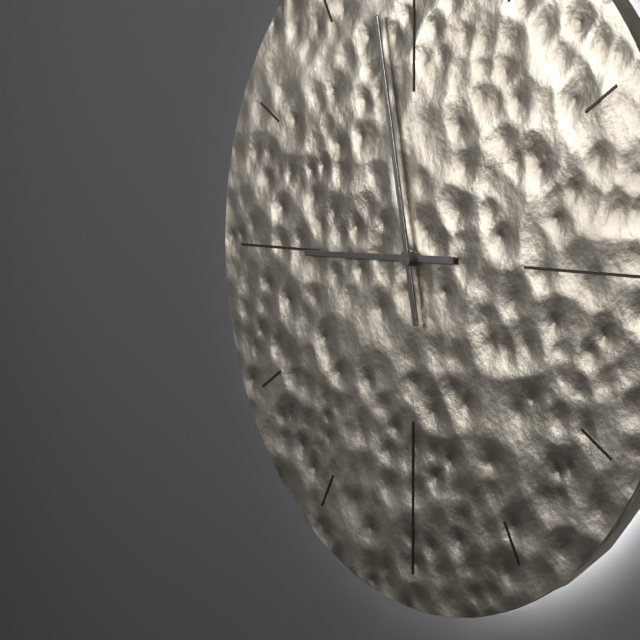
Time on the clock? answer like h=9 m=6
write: h=8 m=58
